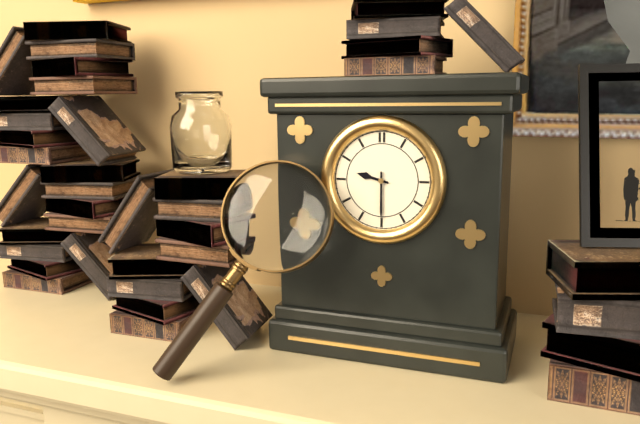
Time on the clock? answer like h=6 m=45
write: h=9 m=30
